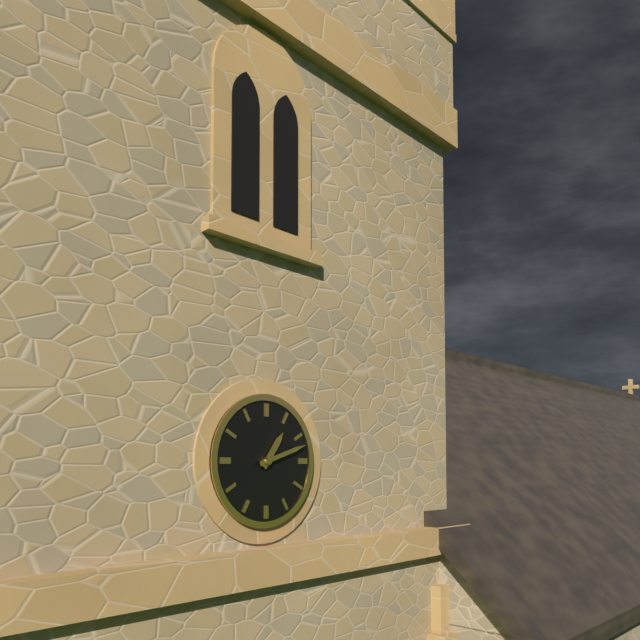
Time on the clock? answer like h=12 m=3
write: h=1 m=12
